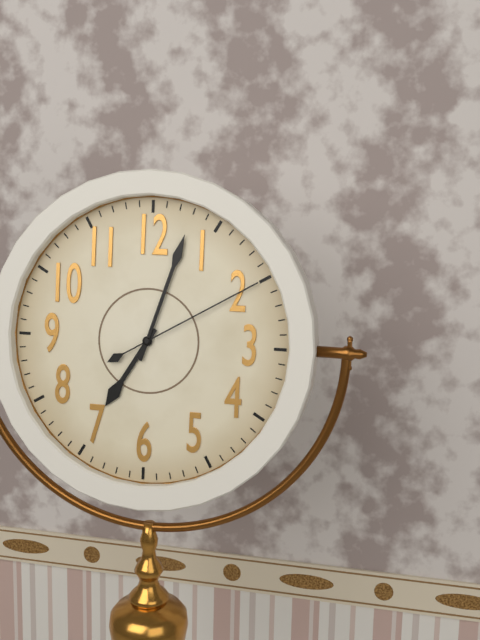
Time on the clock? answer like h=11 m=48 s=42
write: h=7 m=3 s=10
